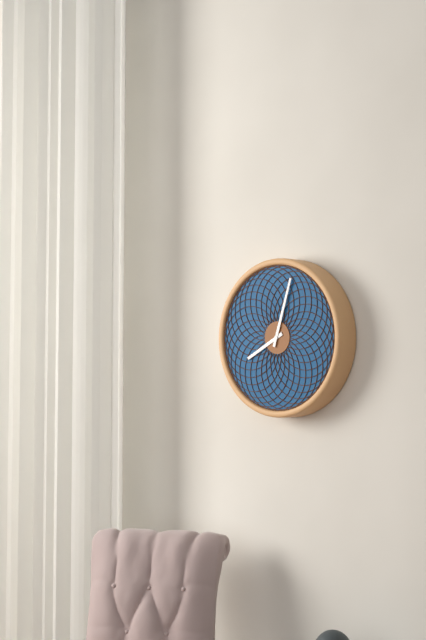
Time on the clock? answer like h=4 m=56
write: h=8 m=3
